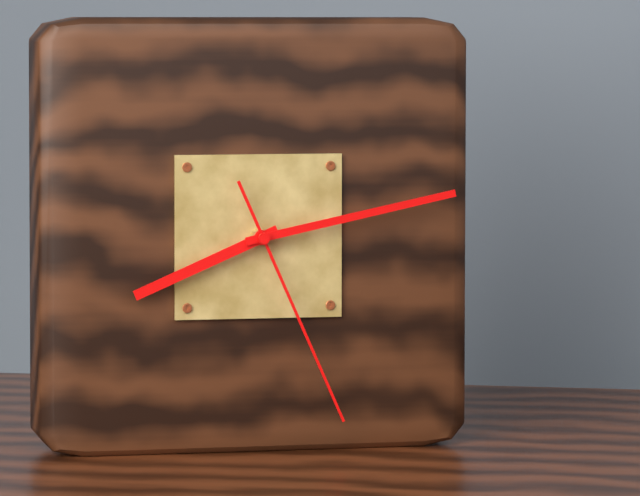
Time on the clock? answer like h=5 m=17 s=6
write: h=8 m=13 s=26
